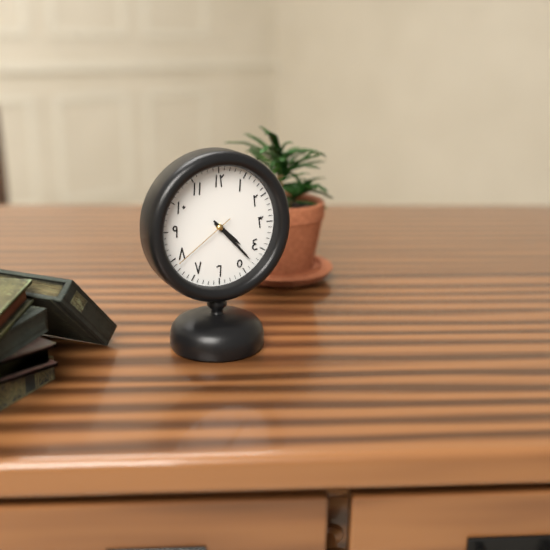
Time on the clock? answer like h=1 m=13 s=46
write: h=4 m=23 s=39
